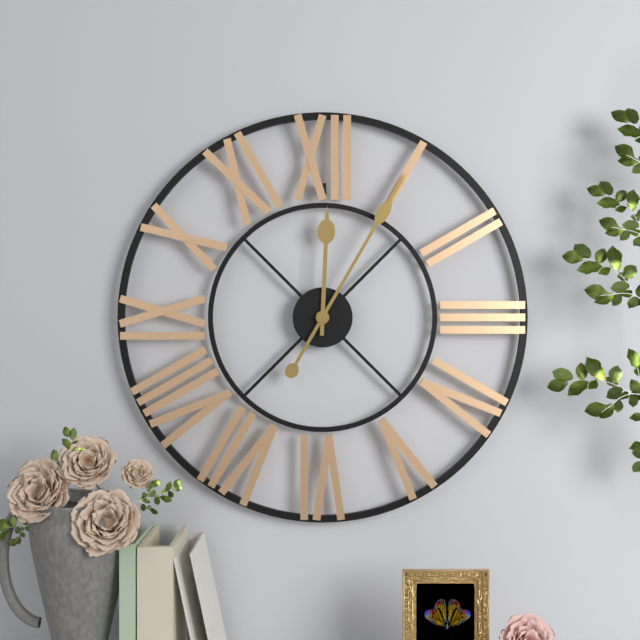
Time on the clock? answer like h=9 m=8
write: h=12 m=5
